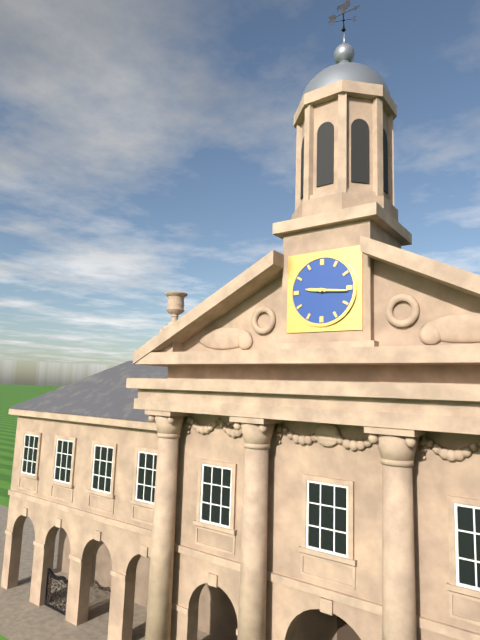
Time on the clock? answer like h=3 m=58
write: h=9 m=16
